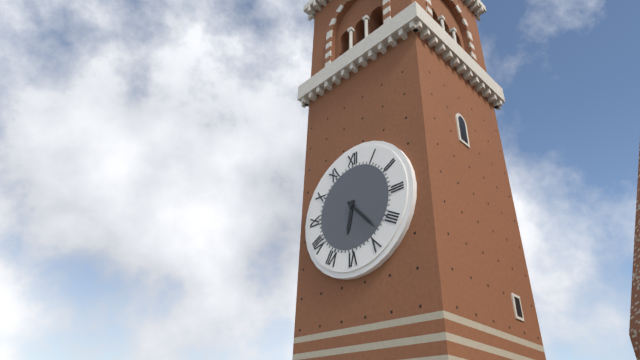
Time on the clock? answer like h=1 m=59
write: h=6 m=23
